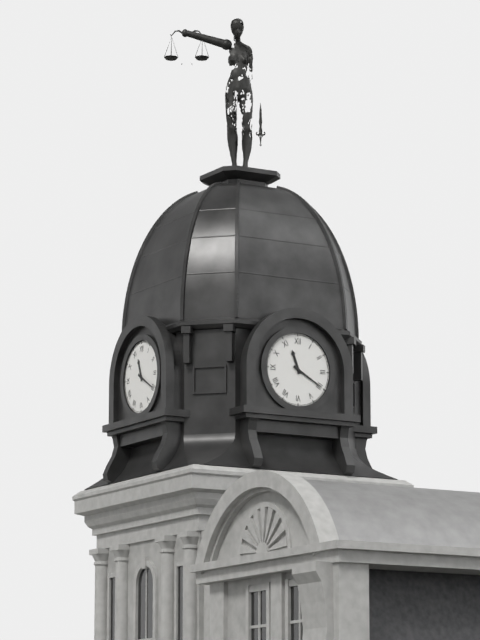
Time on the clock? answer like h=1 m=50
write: h=11 m=20
